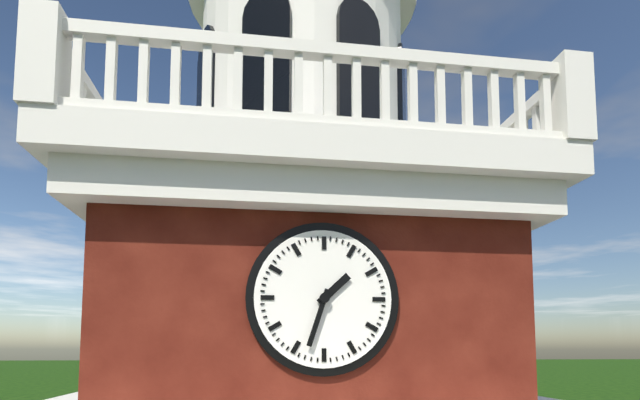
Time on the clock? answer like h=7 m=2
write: h=1 m=33
